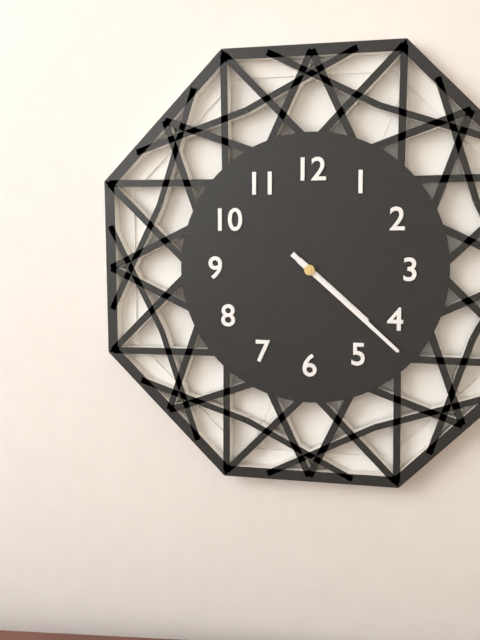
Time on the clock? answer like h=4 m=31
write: h=4 m=22
